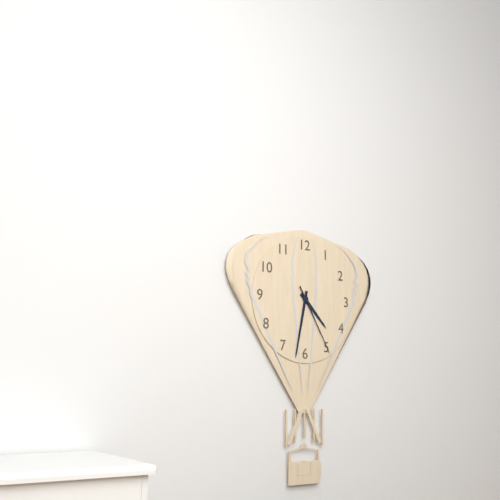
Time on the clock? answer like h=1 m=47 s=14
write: h=4 m=32 s=25
